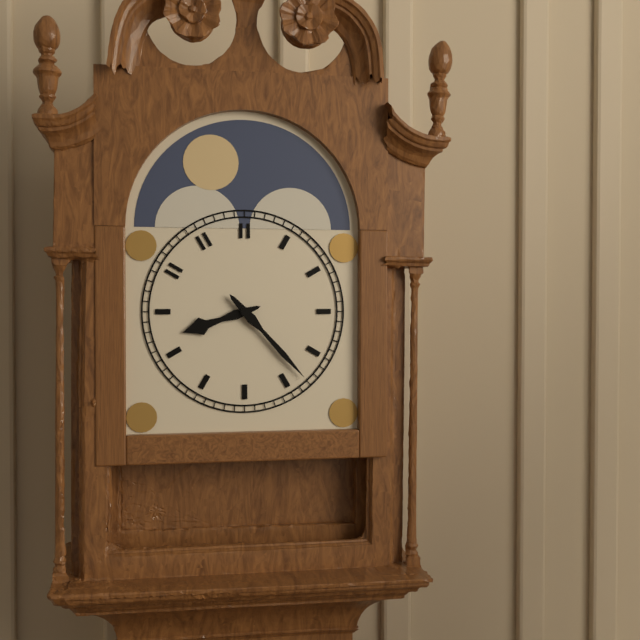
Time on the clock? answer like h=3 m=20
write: h=8 m=23
